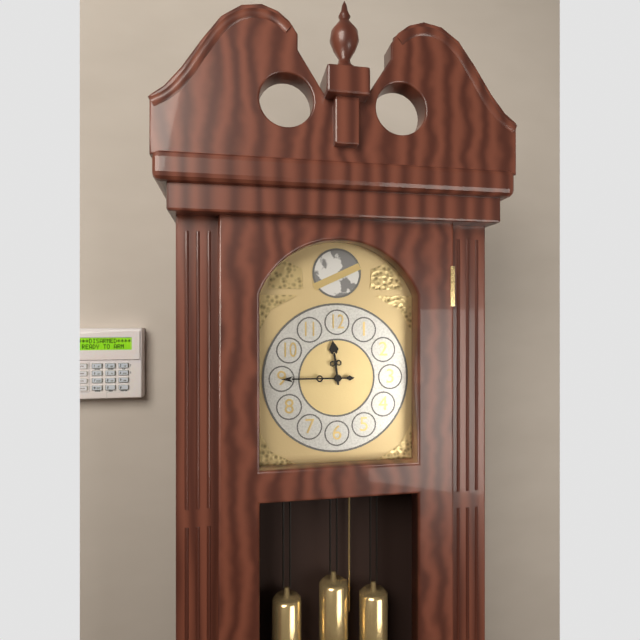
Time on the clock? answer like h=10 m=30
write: h=11 m=45
